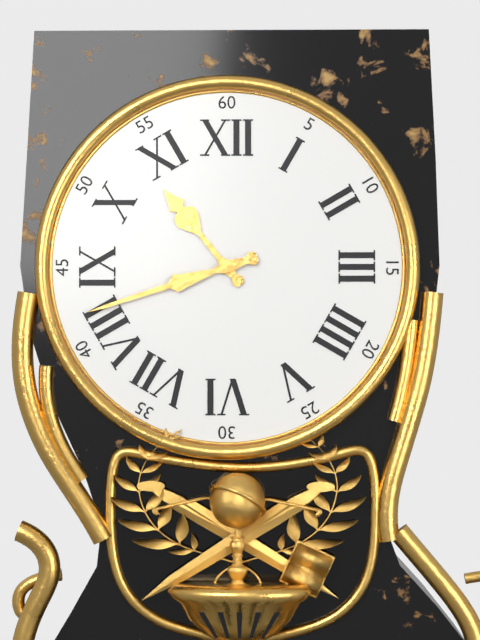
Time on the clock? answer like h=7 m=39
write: h=10 m=42
